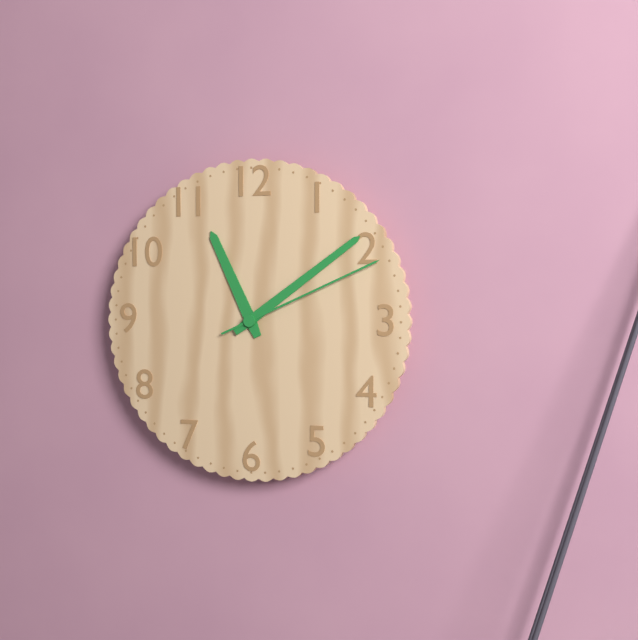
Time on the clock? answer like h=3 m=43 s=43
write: h=11 m=9 s=11
